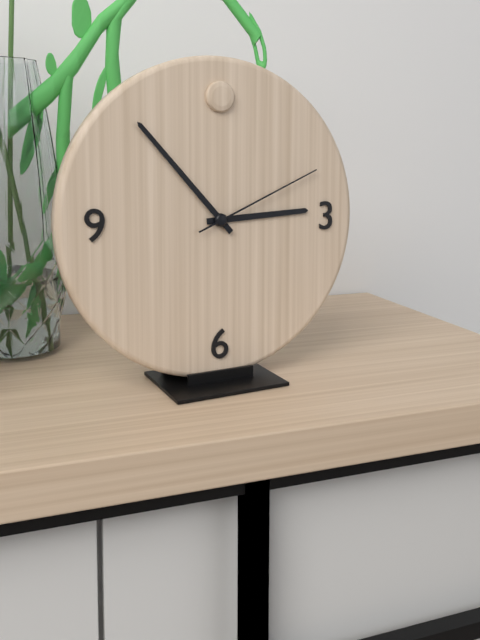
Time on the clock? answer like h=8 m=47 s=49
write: h=2 m=53 s=11
